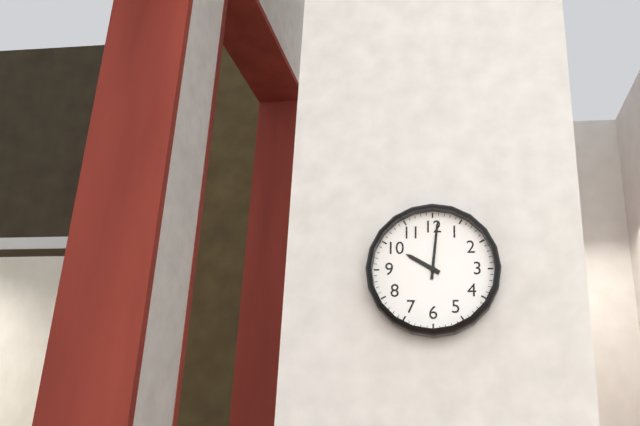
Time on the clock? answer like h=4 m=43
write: h=10 m=1
